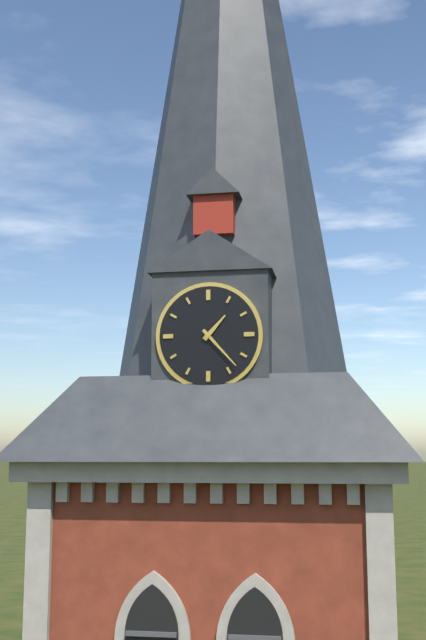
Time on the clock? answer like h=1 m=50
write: h=1 m=23
